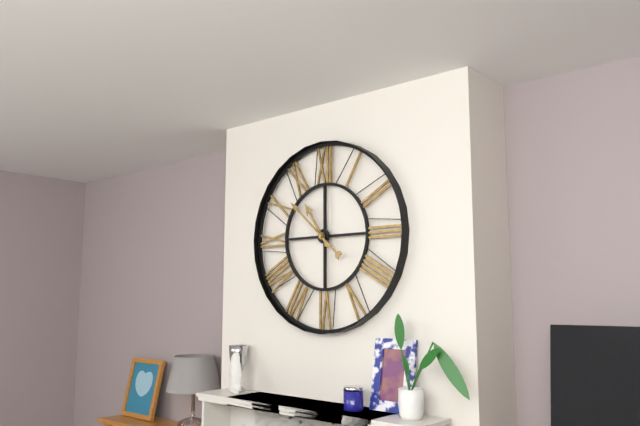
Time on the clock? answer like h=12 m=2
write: h=10 m=52
